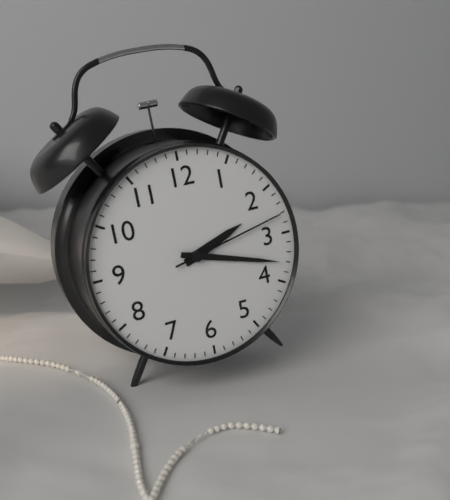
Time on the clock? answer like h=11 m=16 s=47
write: h=2 m=18 s=13
